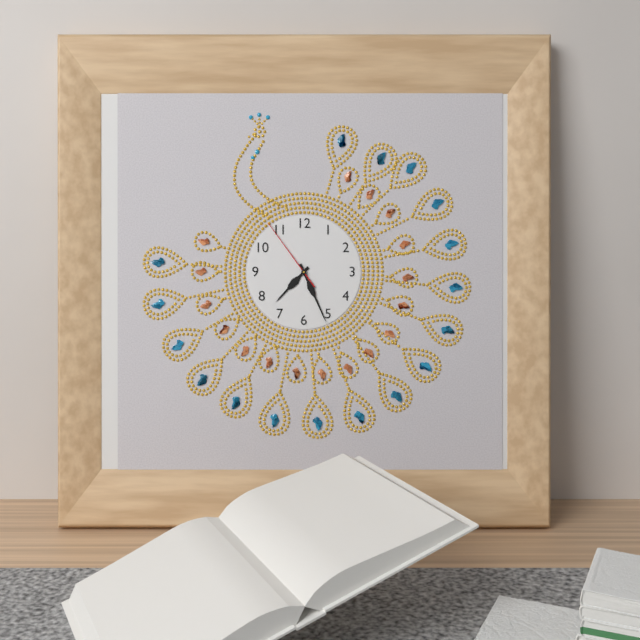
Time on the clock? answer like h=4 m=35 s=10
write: h=7 m=26 s=54
